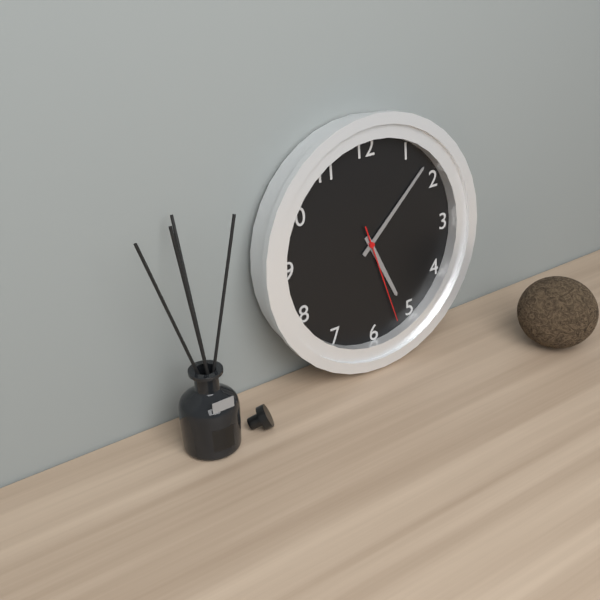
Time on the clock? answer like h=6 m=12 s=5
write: h=5 m=8 s=27
